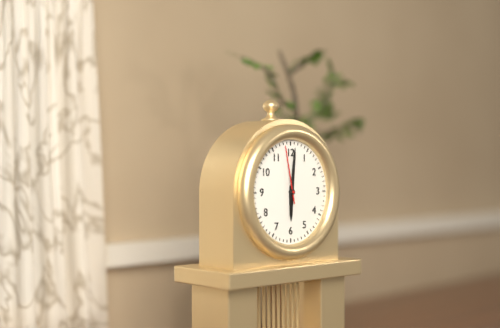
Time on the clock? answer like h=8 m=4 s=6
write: h=6 m=1 s=58
